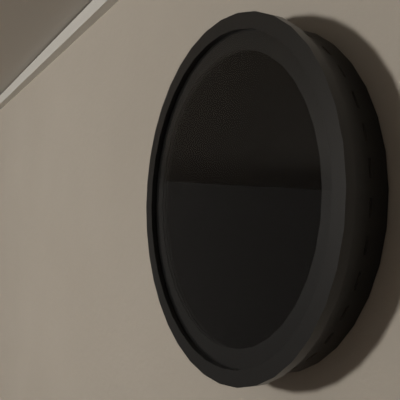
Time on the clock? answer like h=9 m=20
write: h=4 m=31
